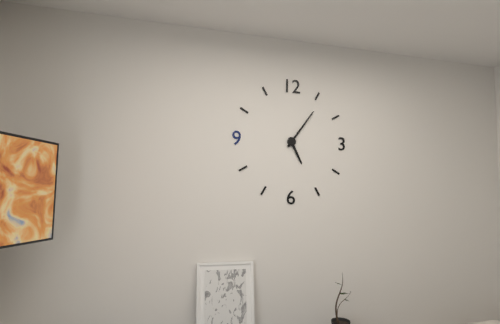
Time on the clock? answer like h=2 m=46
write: h=5 m=6
